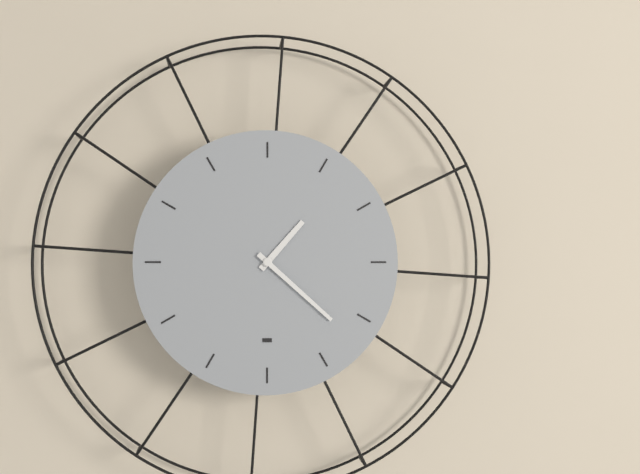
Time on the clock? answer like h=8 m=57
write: h=1 m=22
